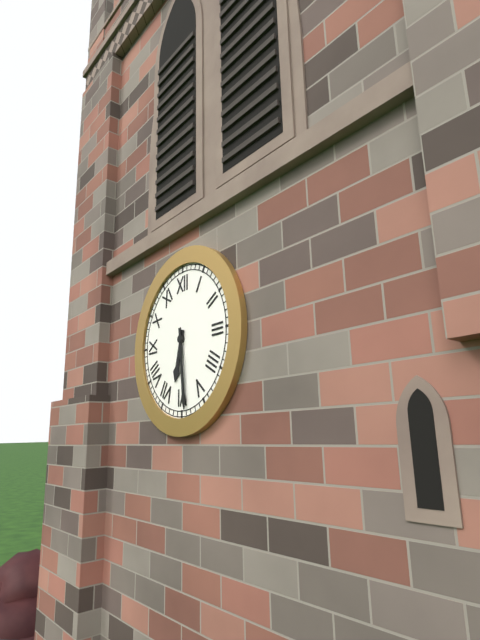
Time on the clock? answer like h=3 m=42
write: h=6 m=29
